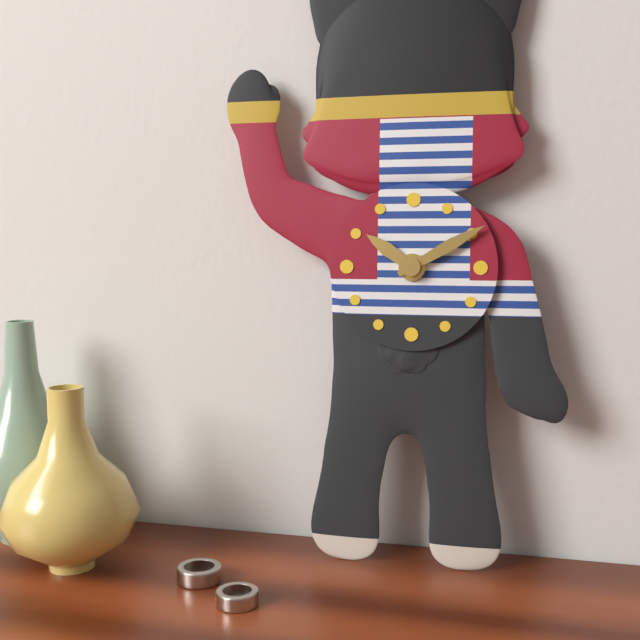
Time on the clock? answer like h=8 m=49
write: h=10 m=10
